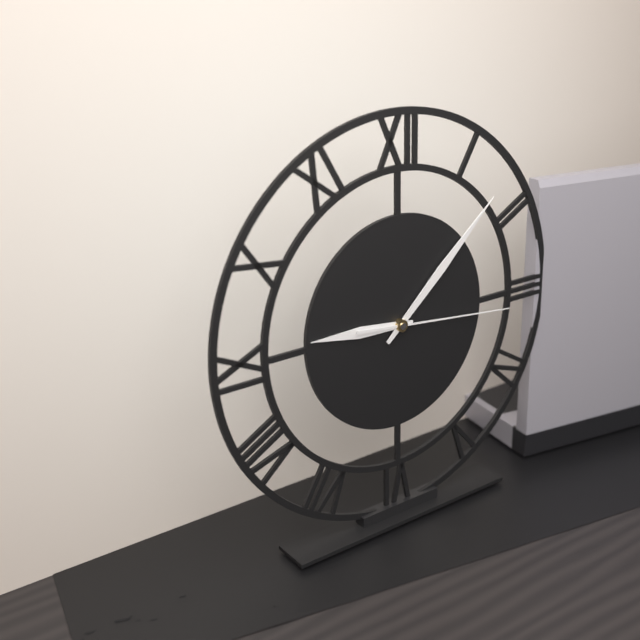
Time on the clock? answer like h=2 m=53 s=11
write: h=9 m=8 s=16
